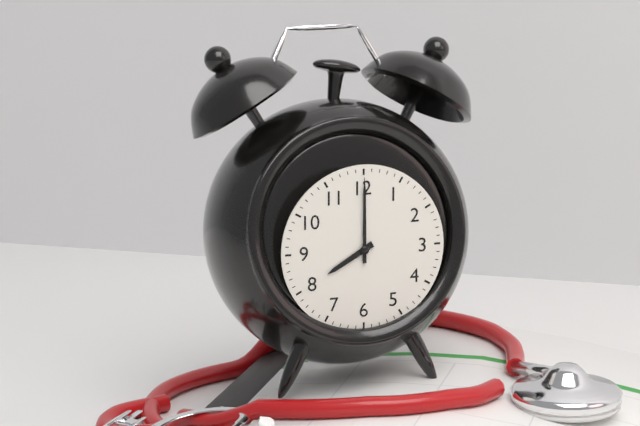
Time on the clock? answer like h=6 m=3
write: h=8 m=0
